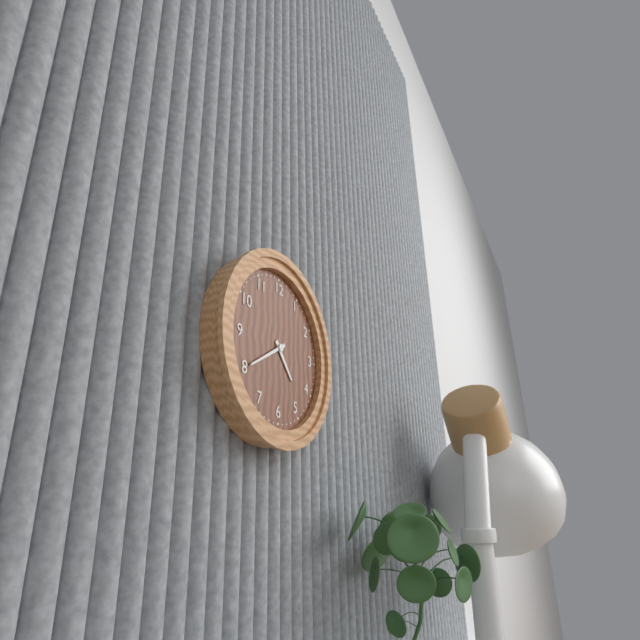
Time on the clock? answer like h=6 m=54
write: h=4 m=40
